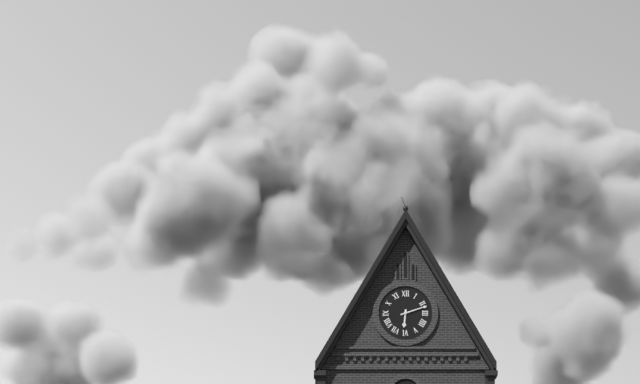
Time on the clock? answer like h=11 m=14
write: h=6 m=12
